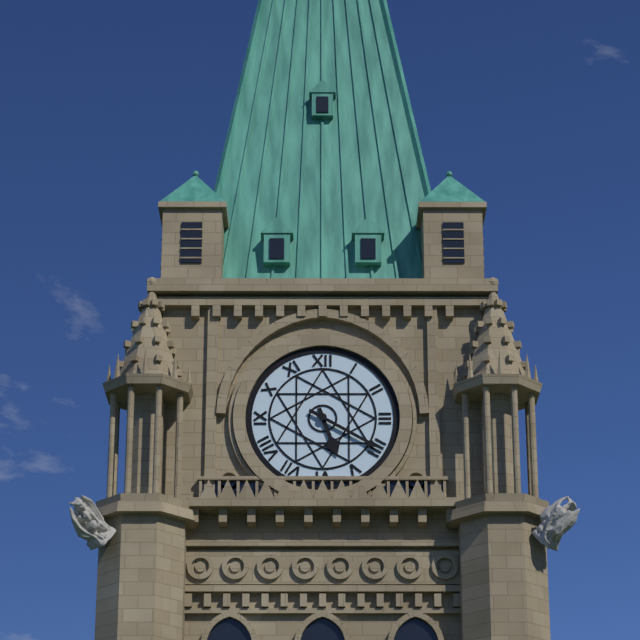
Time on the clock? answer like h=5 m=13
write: h=5 m=20
